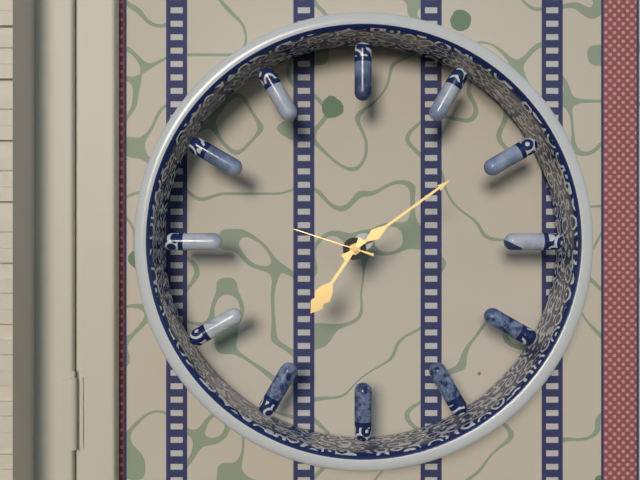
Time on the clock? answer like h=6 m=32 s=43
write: h=7 m=9 s=48
